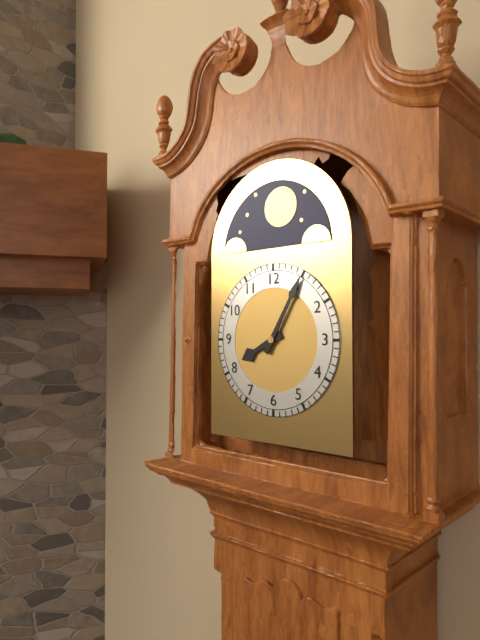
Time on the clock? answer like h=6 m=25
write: h=8 m=5
